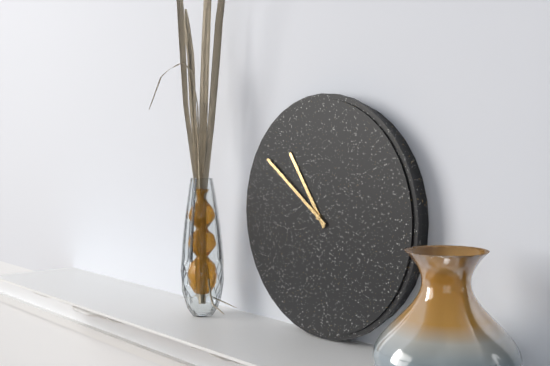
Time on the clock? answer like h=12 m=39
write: h=10 m=51
